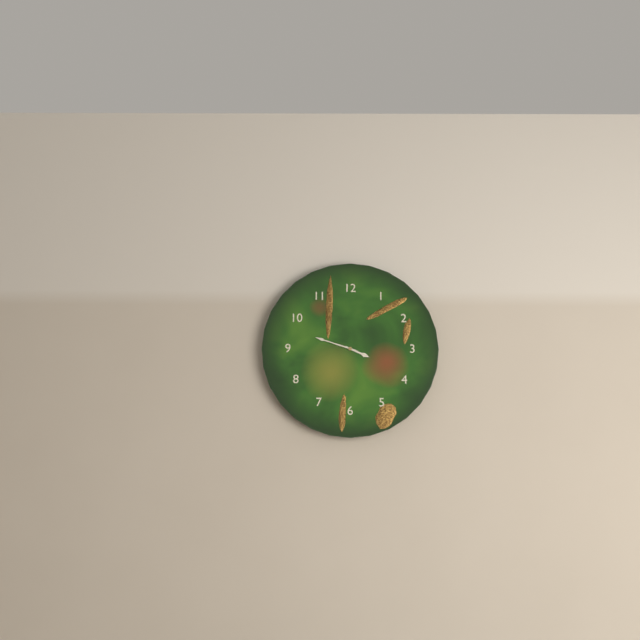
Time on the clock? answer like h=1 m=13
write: h=3 m=48
